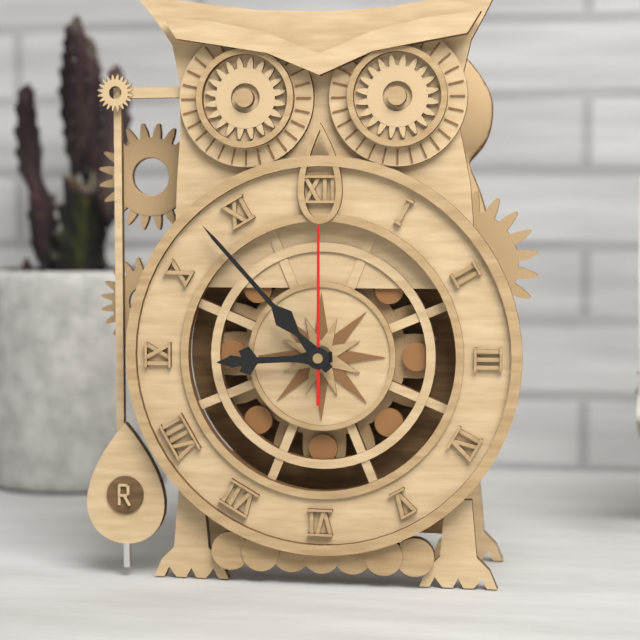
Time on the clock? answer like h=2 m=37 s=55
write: h=8 m=53 s=0
